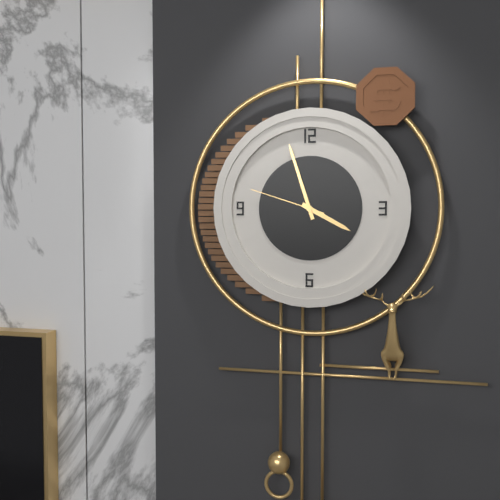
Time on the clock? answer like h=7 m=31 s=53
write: h=3 m=57 s=48
